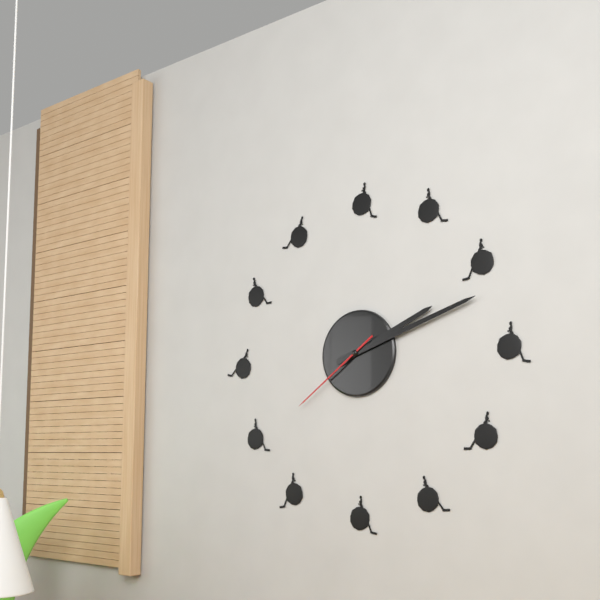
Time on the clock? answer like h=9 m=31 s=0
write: h=2 m=12 s=39
